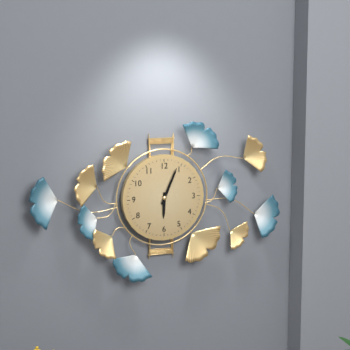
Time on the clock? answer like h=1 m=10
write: h=6 m=4
